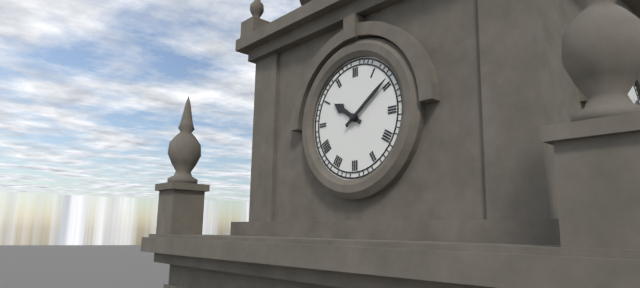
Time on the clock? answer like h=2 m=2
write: h=10 m=9
